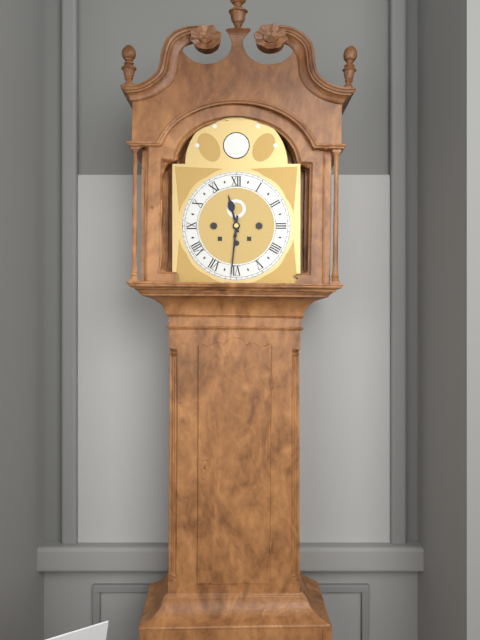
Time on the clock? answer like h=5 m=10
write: h=11 m=31
